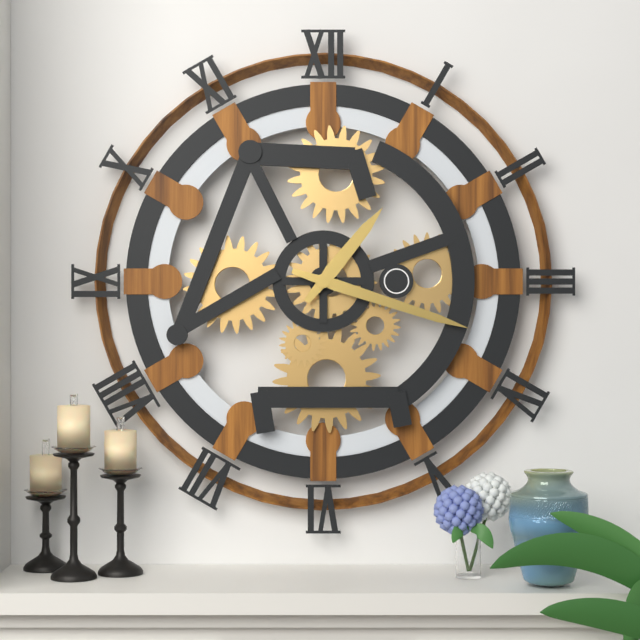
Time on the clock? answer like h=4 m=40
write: h=1 m=18
